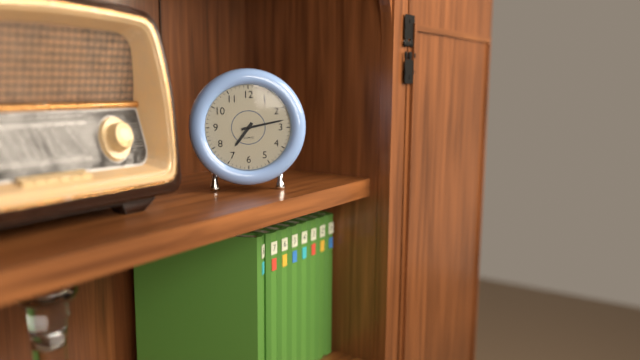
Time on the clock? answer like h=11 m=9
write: h=7 m=13
